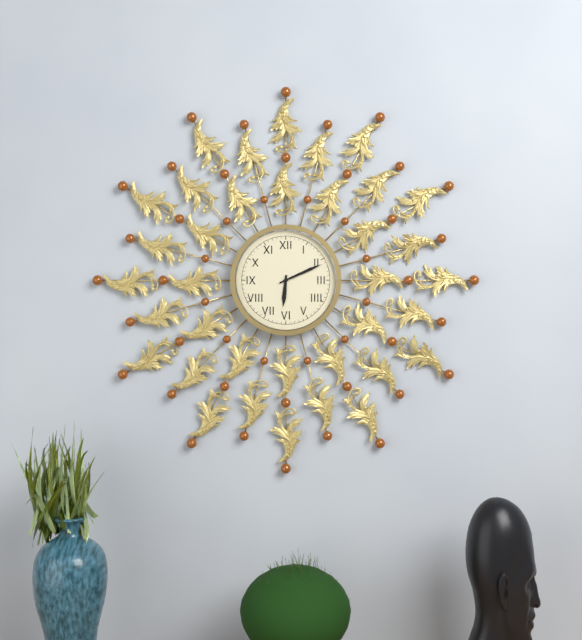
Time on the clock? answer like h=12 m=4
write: h=6 m=11
